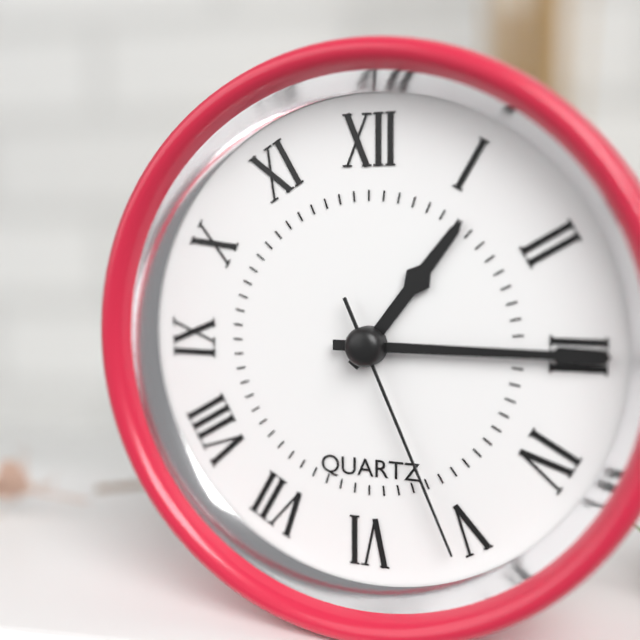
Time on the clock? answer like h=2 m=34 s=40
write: h=1 m=15 s=26
